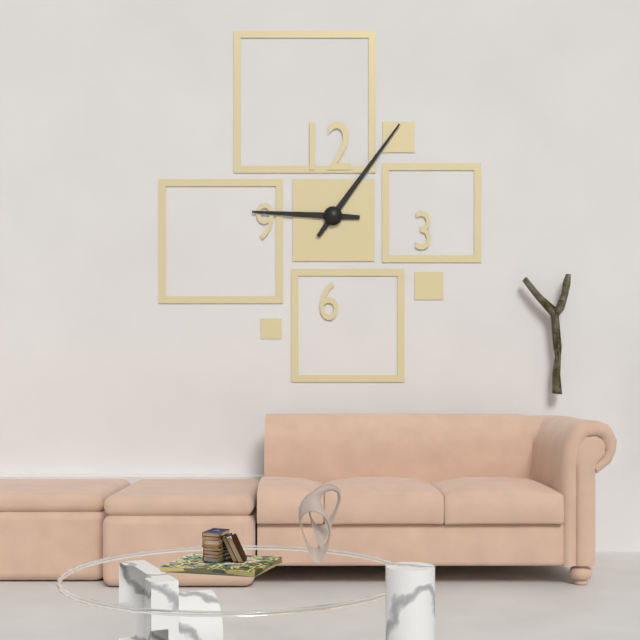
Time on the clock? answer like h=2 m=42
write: h=9 m=6
